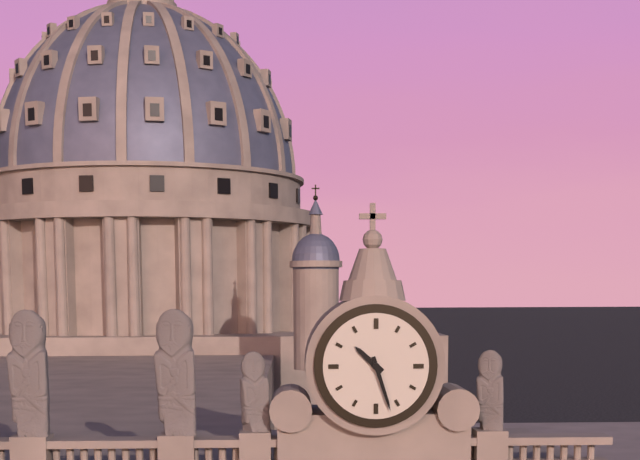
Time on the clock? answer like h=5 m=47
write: h=10 m=27
